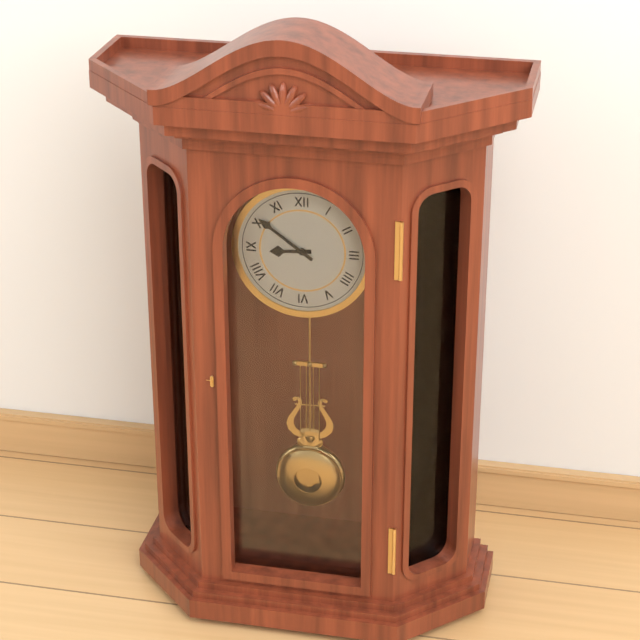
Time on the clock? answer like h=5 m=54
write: h=8 m=51
